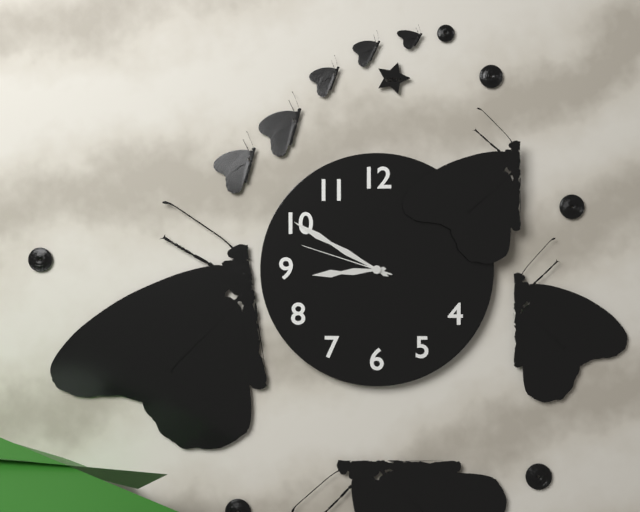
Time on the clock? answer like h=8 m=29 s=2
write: h=8 m=50 s=48
